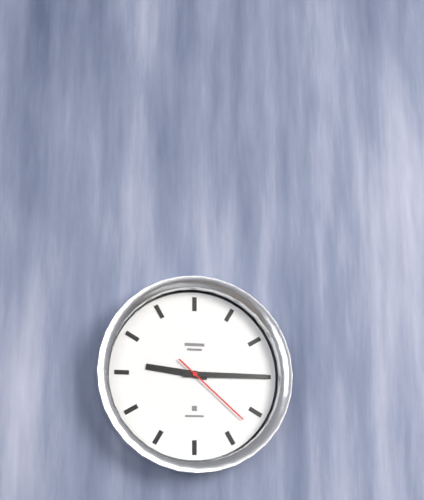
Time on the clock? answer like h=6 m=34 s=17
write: h=9 m=15 s=22
